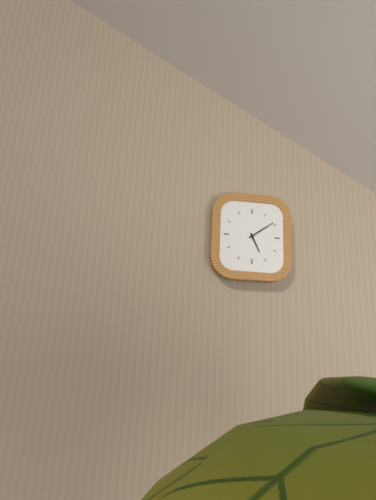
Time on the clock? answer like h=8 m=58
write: h=5 m=9
